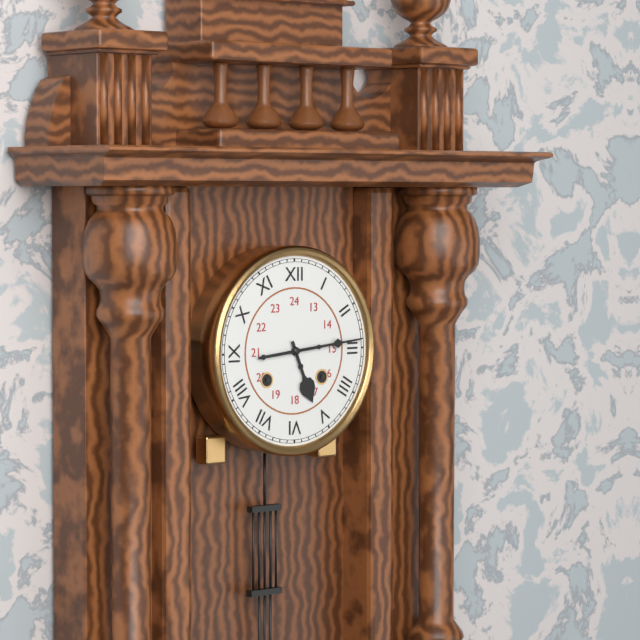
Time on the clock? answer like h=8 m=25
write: h=5 m=14
